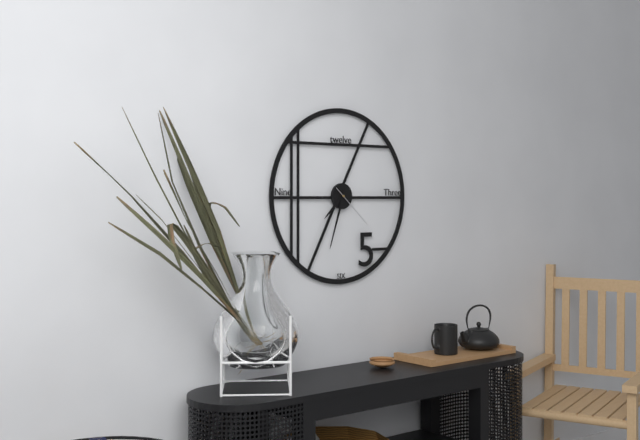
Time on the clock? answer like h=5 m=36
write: h=7 m=33
